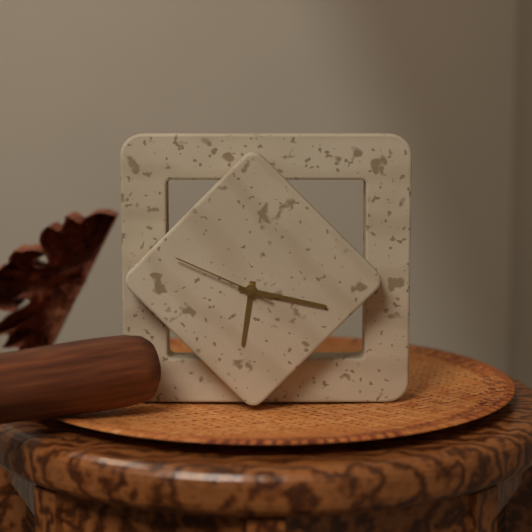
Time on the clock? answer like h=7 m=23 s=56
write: h=6 m=17 s=49
